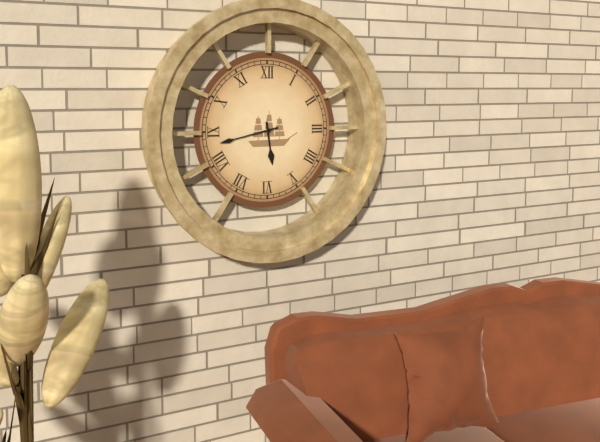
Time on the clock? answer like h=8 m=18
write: h=5 m=43
